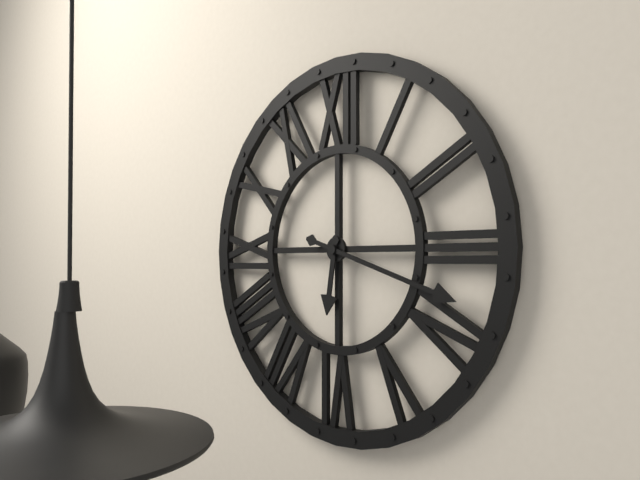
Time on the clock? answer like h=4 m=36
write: h=6 m=18
